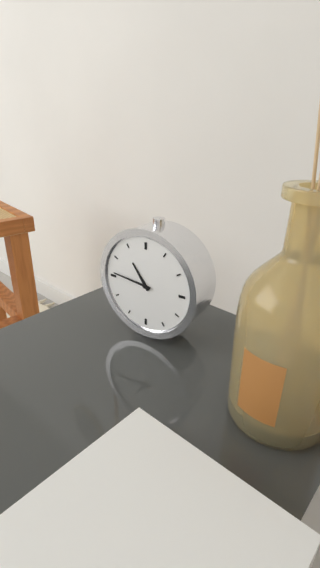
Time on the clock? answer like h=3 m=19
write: h=10 m=46
